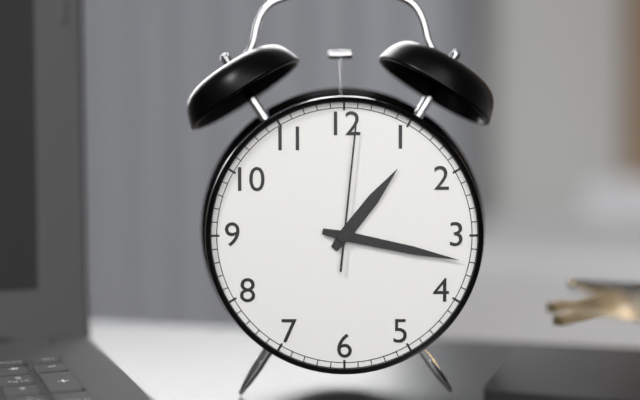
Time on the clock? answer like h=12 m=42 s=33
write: h=1 m=17 s=1
